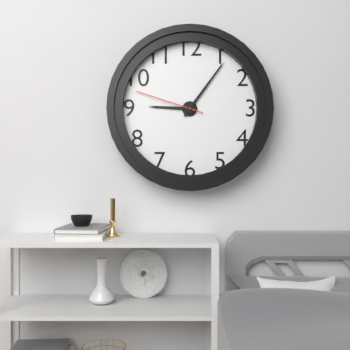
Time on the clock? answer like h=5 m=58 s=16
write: h=9 m=6 s=48
